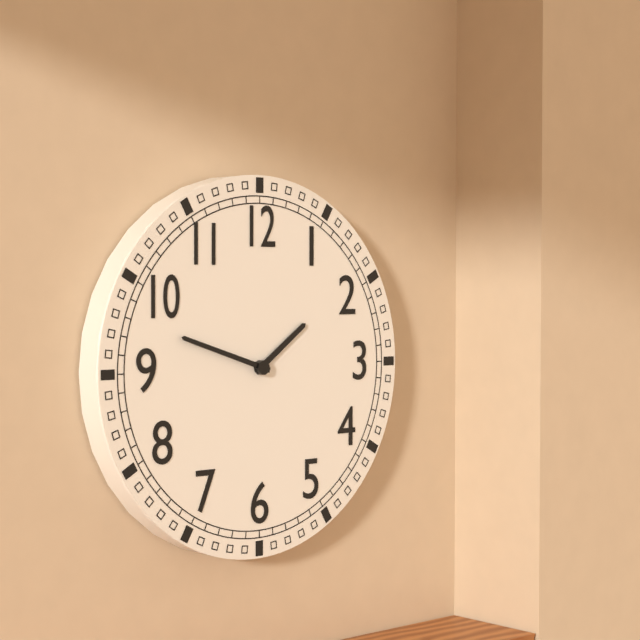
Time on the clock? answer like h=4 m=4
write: h=1 m=48
